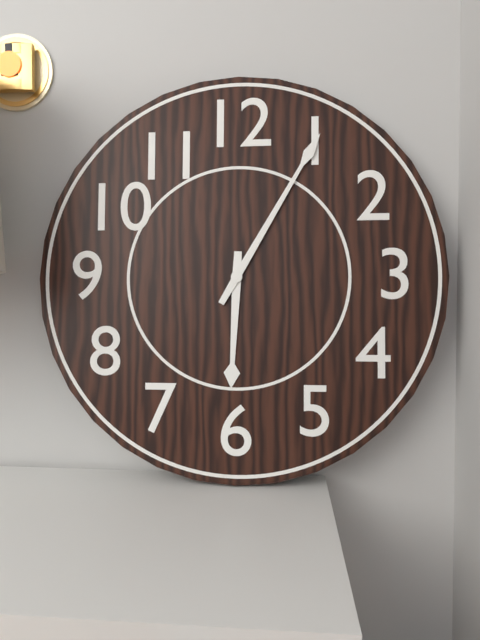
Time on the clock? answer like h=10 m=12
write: h=6 m=5
